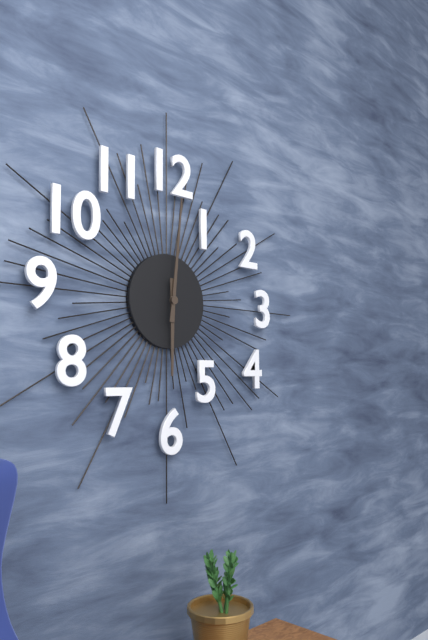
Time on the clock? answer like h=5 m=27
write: h=6 m=1
